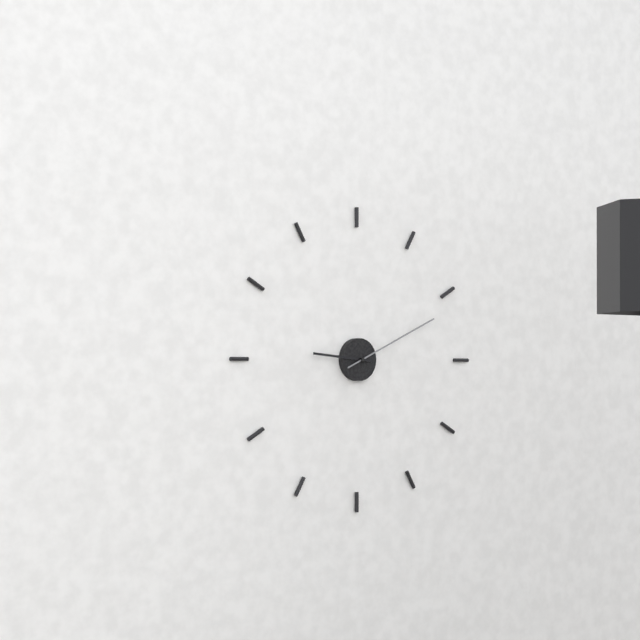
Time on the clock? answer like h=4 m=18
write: h=9 m=11
